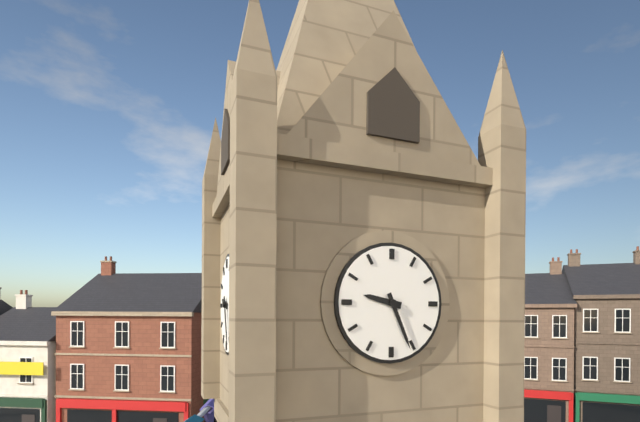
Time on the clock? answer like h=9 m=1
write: h=9 m=26
